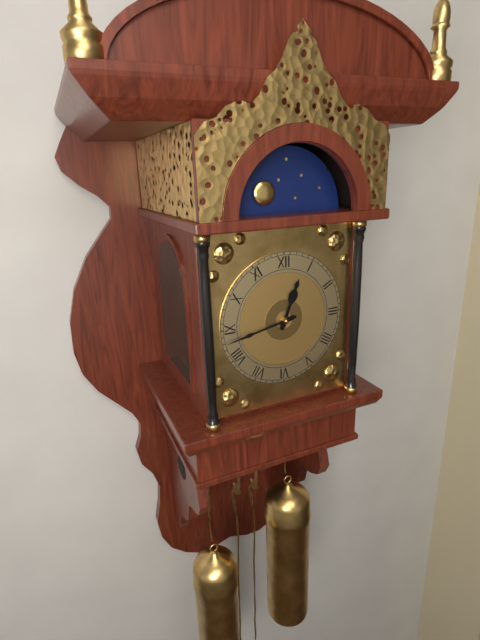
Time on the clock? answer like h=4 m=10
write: h=12 m=43
